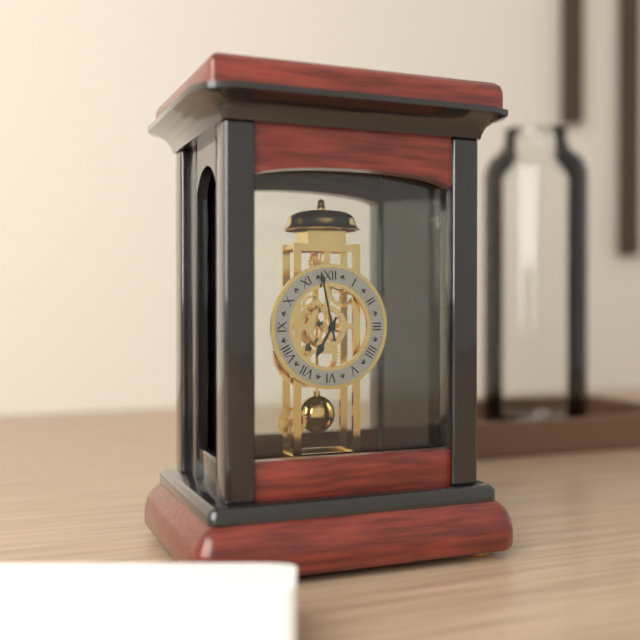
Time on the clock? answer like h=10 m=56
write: h=6 m=58
